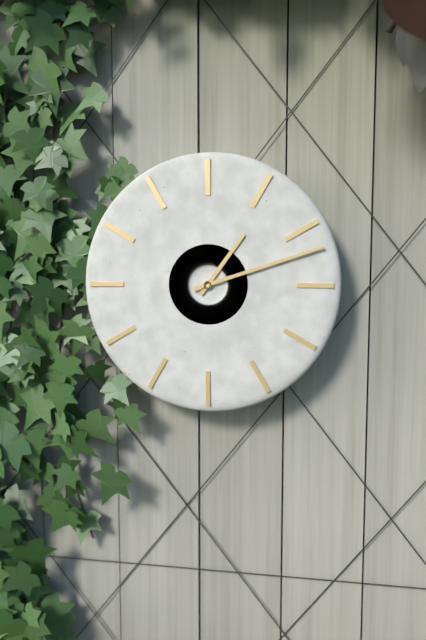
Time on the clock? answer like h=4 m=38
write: h=1 m=12
